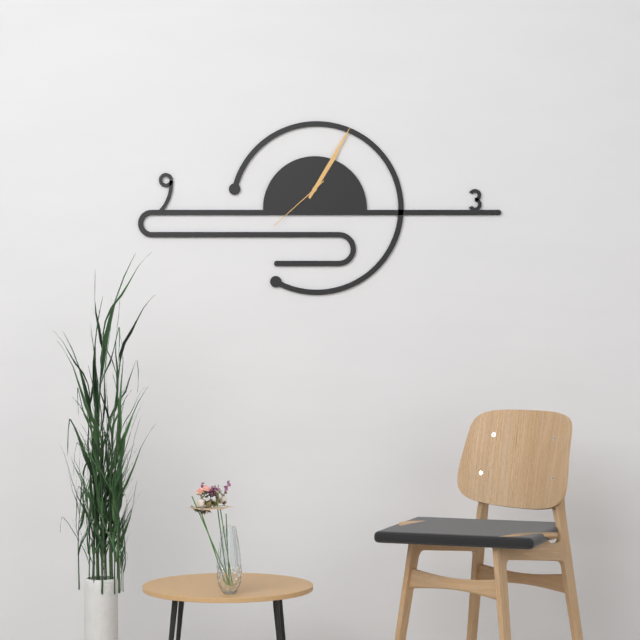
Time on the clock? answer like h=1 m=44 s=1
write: h=1 m=5 s=38
